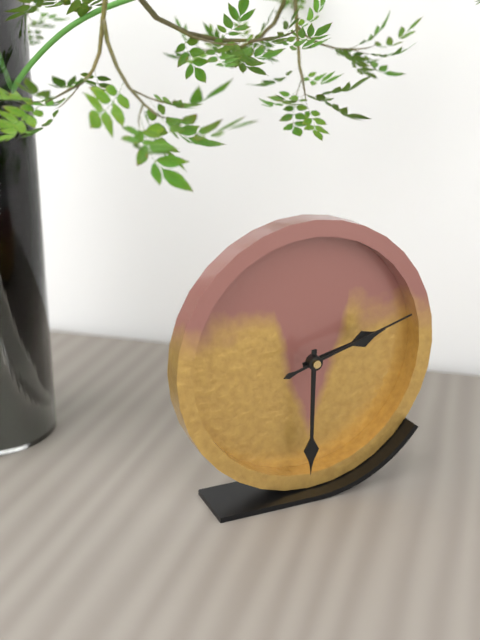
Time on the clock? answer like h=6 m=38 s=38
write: h=2 m=30 s=12
